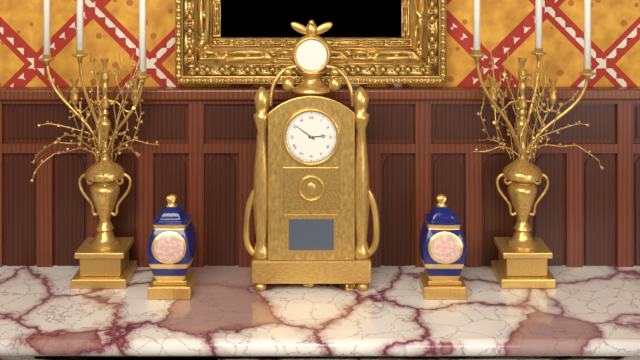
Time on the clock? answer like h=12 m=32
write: h=2 m=51
